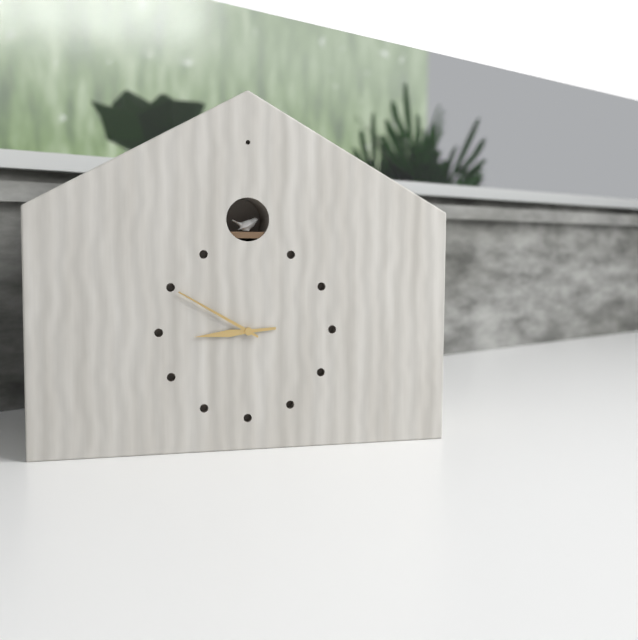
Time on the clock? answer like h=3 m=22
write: h=8 m=50
